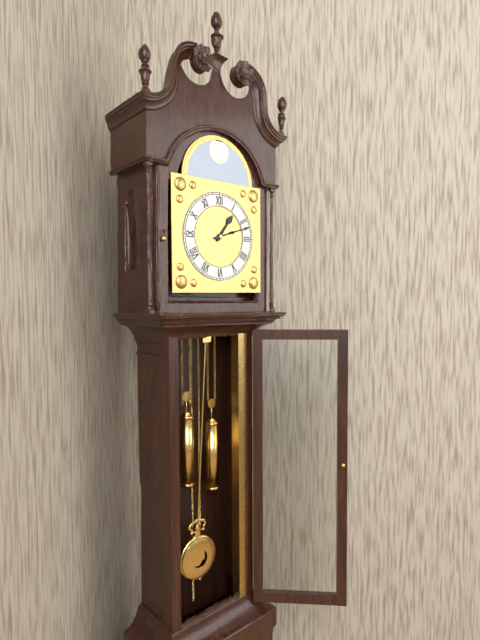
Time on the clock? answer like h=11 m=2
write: h=1 m=12
